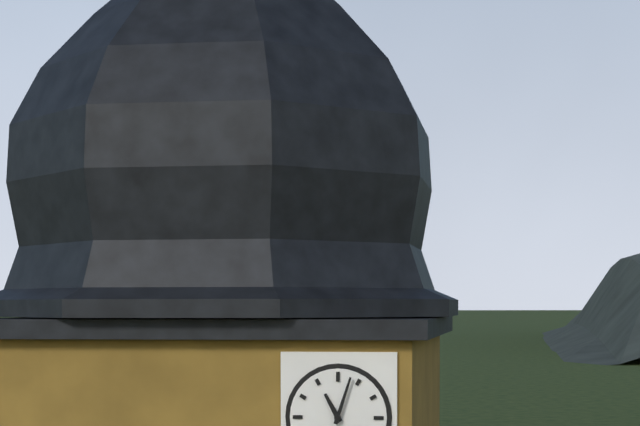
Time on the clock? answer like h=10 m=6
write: h=11 m=3
